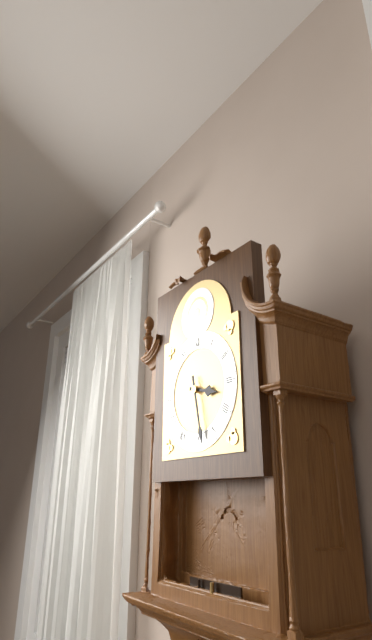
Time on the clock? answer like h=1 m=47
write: h=3 m=28
